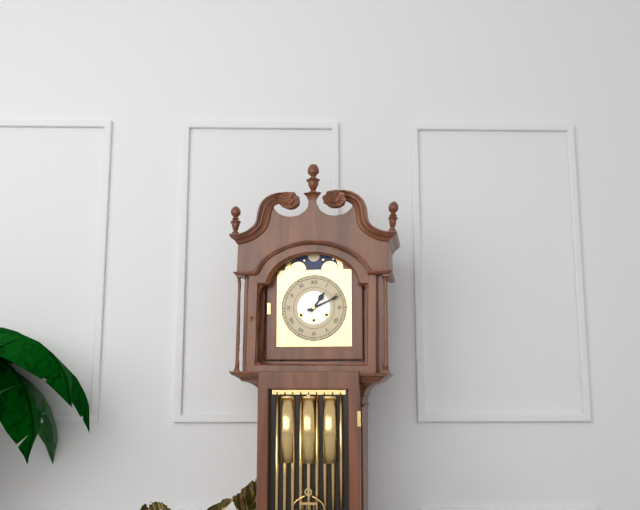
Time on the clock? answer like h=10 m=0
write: h=1 m=11
